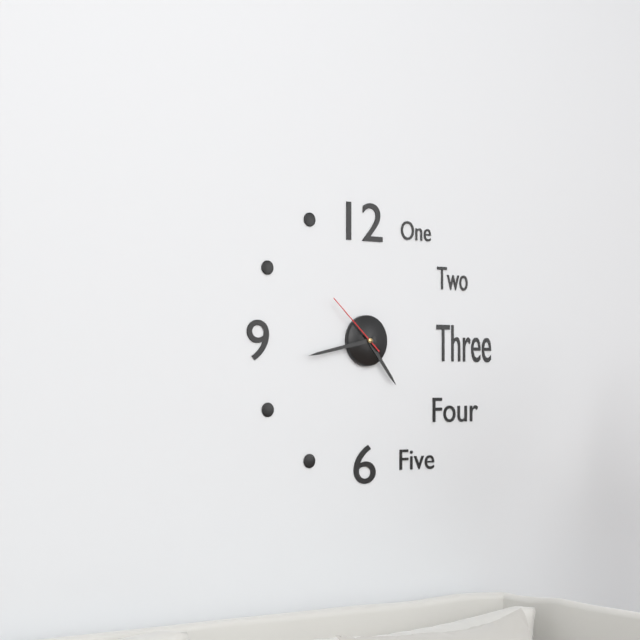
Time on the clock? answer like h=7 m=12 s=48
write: h=4 m=43 s=52
